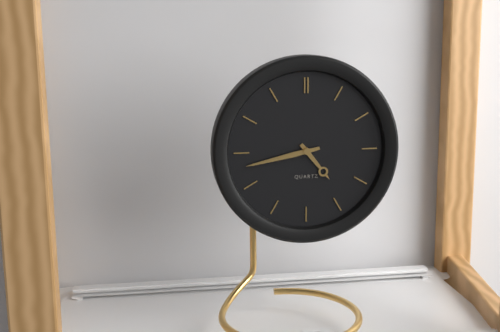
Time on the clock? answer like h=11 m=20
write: h=4 m=43
